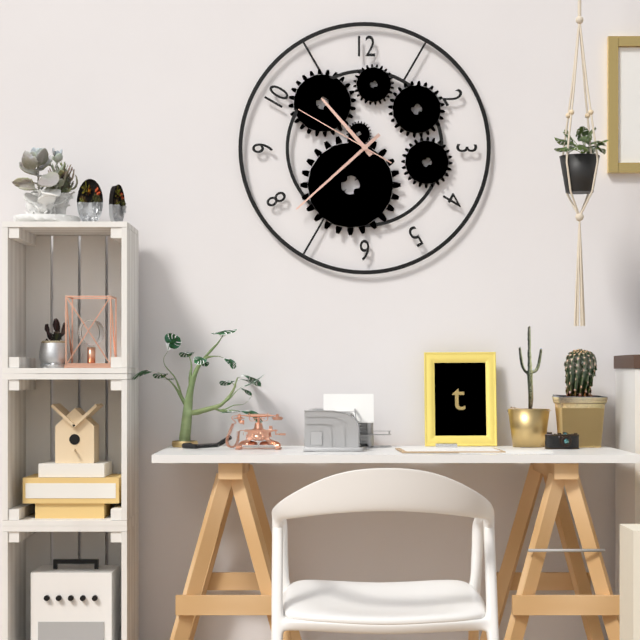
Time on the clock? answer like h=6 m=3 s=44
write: h=10 m=38 s=50
